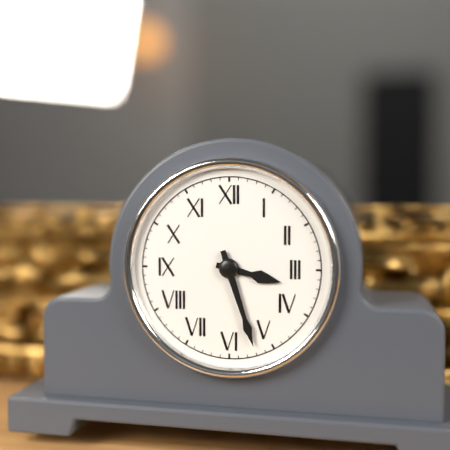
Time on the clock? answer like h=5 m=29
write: h=3 m=27
